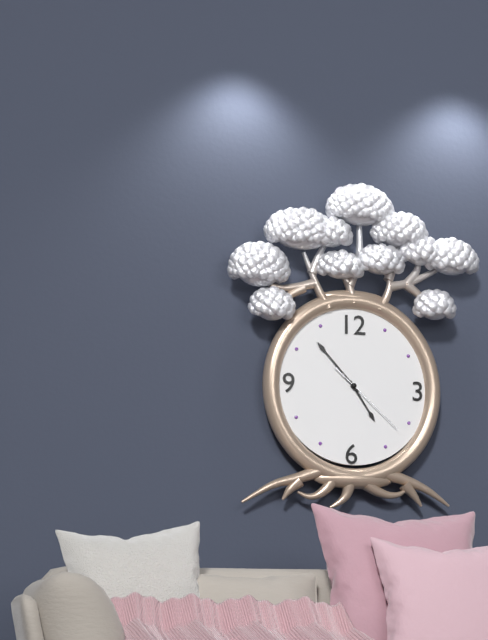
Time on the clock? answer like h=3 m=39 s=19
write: h=4 m=53 s=22
